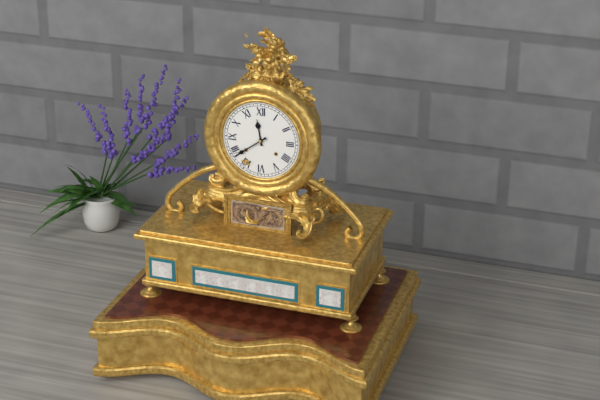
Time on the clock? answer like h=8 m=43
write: h=11 m=39
